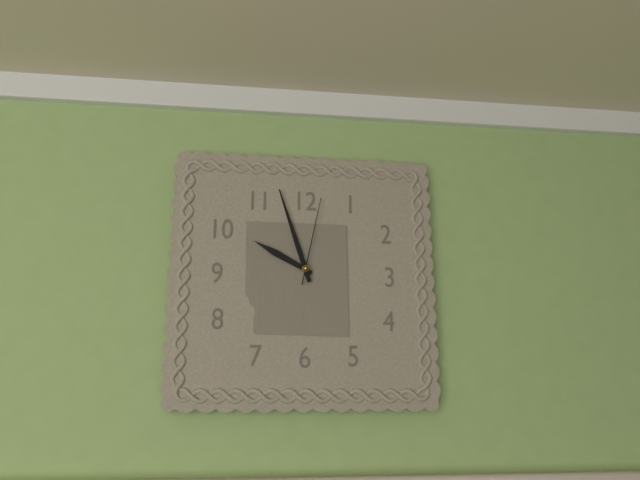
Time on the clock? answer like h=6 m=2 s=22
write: h=9 m=57 s=2
